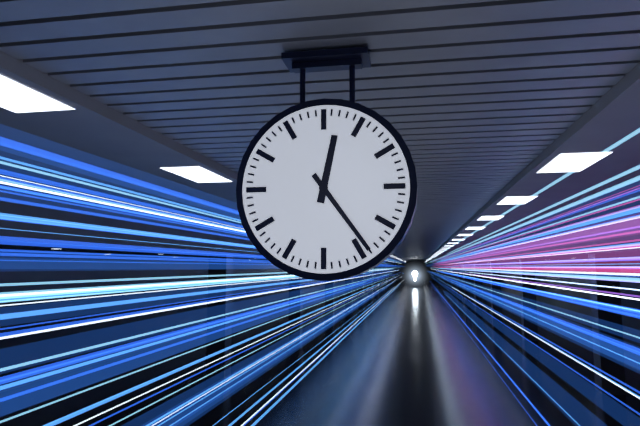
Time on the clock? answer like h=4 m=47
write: h=12 m=24
